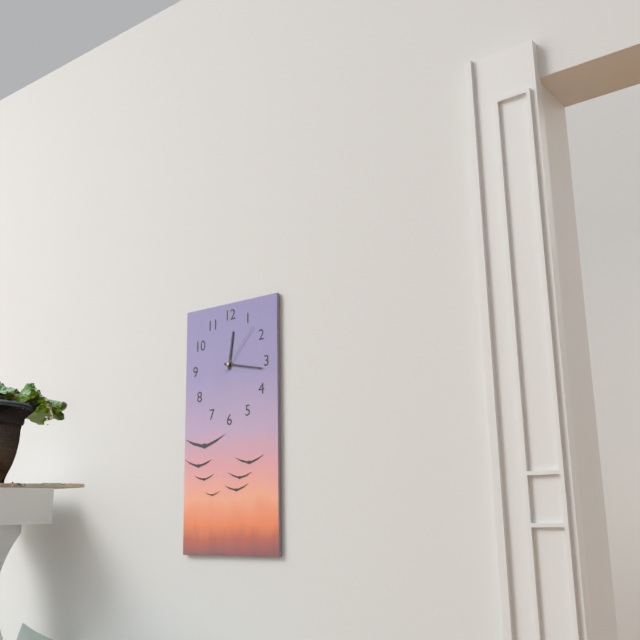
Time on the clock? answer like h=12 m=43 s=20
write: h=12 m=17 s=7
